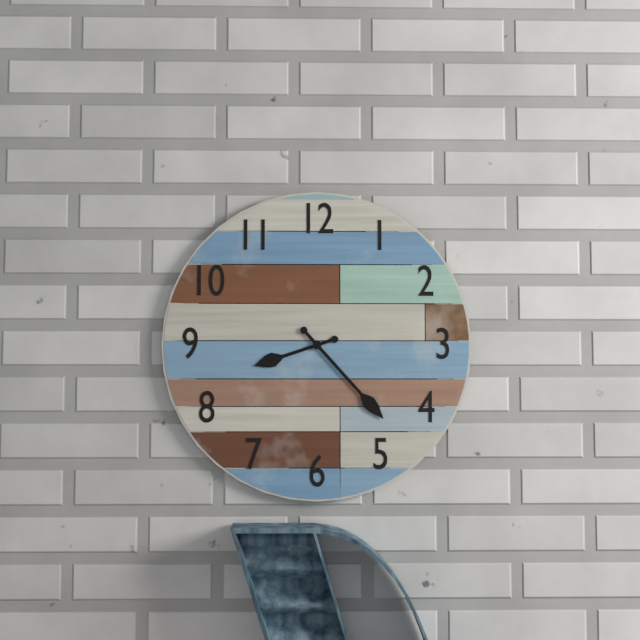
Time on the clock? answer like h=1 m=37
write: h=8 m=23
